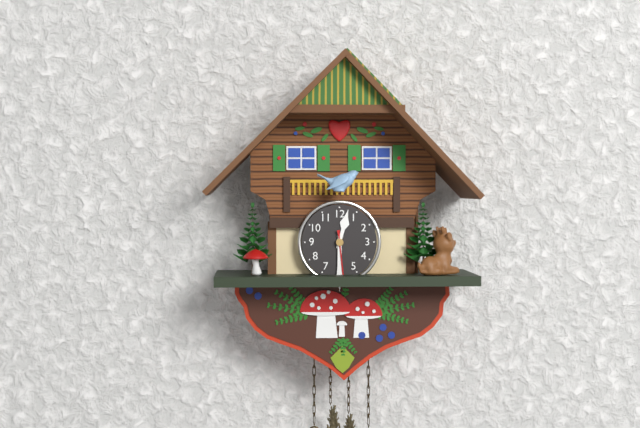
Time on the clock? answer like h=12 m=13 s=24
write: h=12 m=30 s=29
